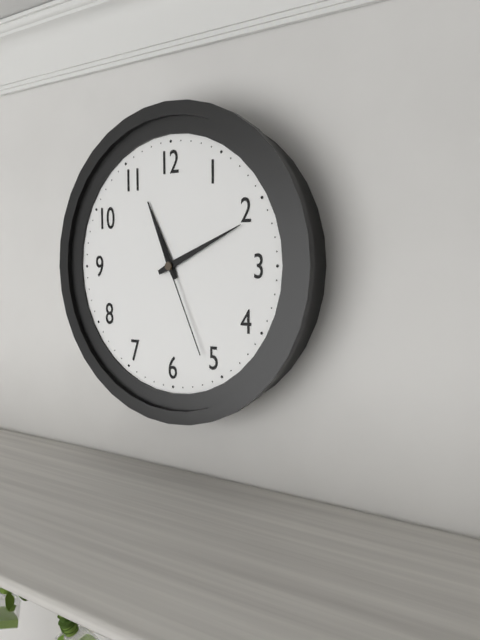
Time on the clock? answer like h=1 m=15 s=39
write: h=11 m=11 s=26
